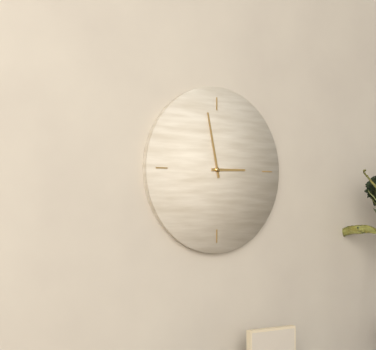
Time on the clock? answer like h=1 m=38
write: h=2 m=58
